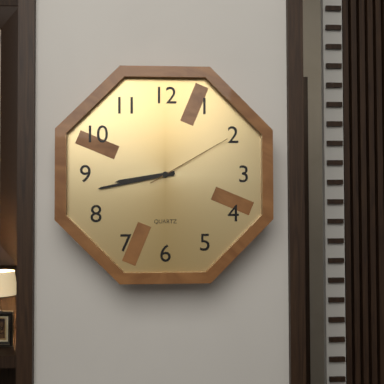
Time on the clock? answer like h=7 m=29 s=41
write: h=8 m=43 s=10
